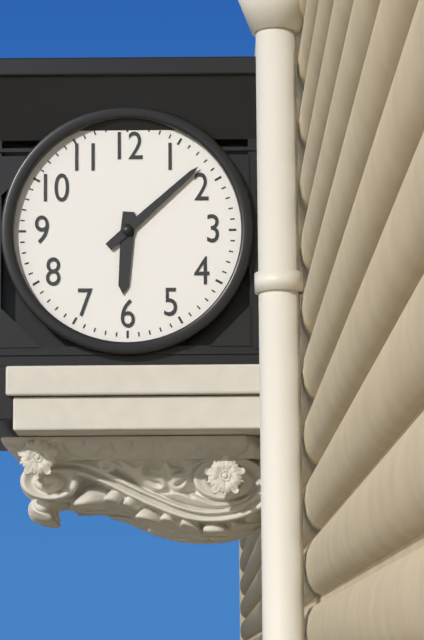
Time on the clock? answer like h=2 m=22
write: h=6 m=8
